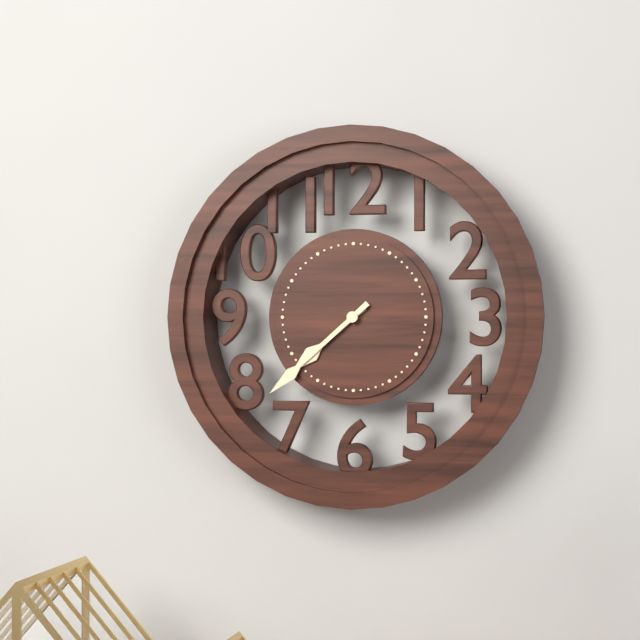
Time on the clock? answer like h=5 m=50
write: h=7 m=38
